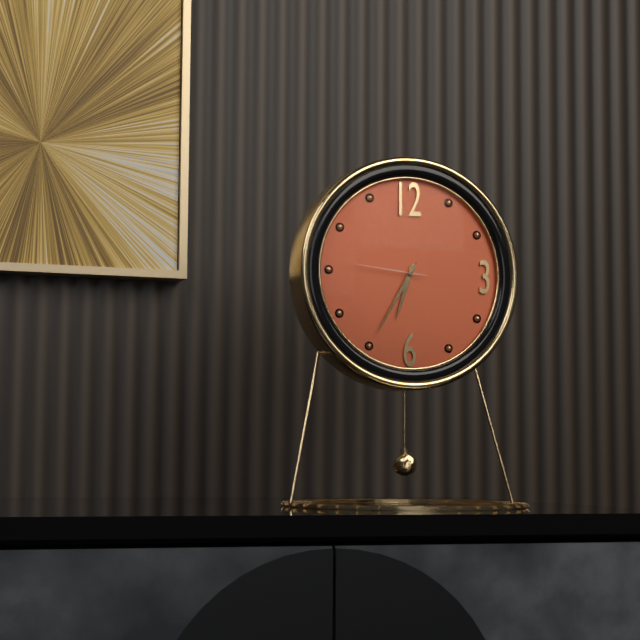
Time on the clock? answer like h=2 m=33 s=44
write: h=6 m=35 s=46
